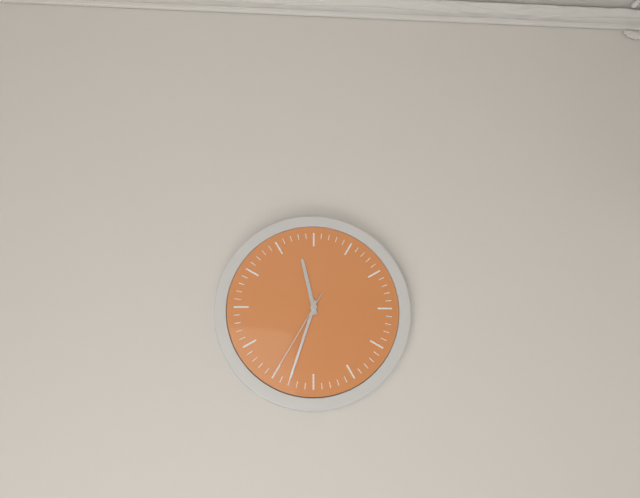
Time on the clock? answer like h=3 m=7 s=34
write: h=11 m=33 s=35
